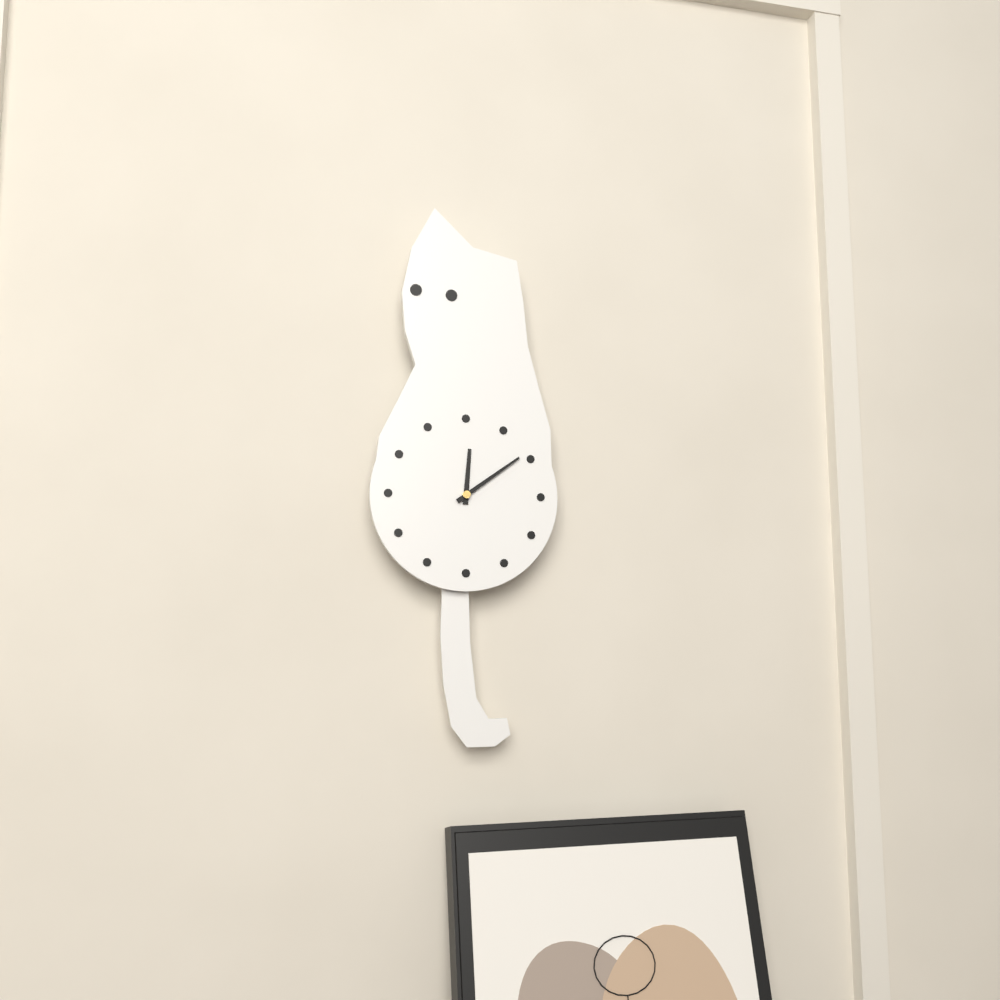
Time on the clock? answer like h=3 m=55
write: h=12 m=9
